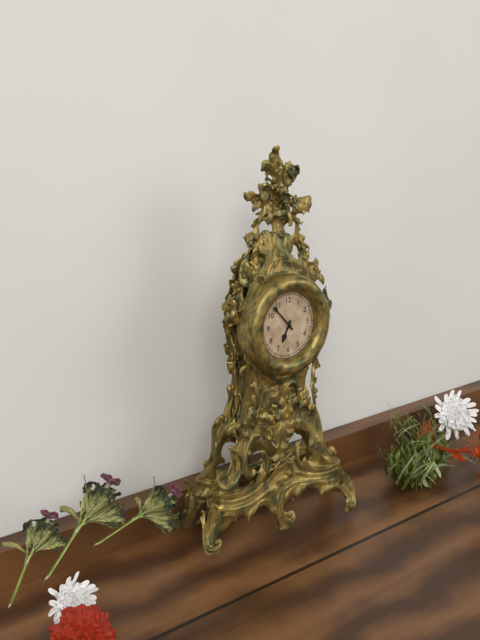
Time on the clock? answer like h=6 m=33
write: h=6 m=53
